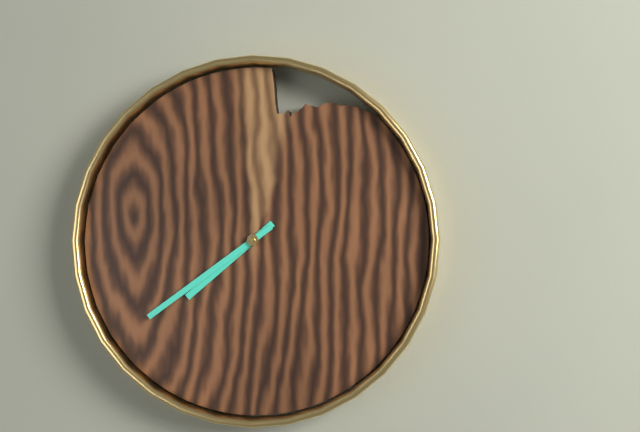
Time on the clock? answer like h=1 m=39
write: h=7 m=39
